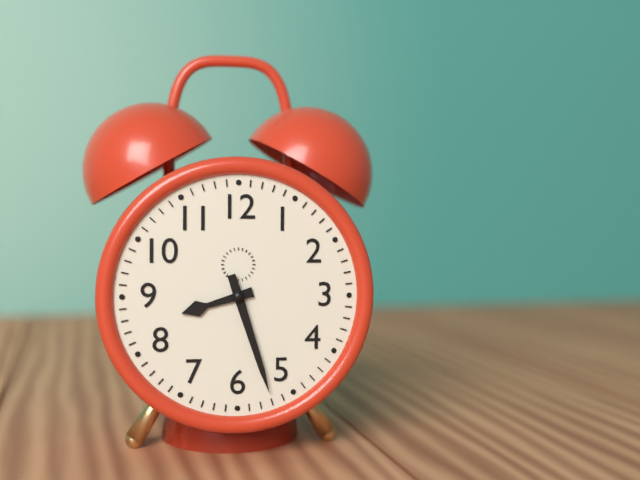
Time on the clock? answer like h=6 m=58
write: h=8 m=27
